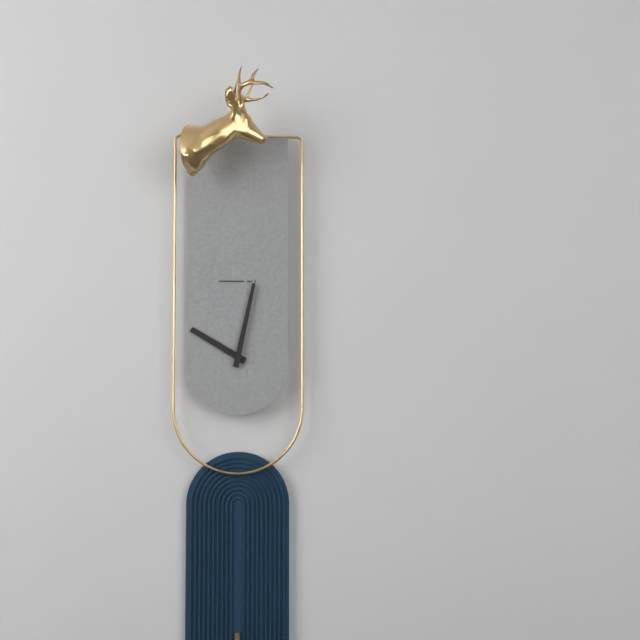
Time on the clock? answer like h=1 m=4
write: h=10 m=2
